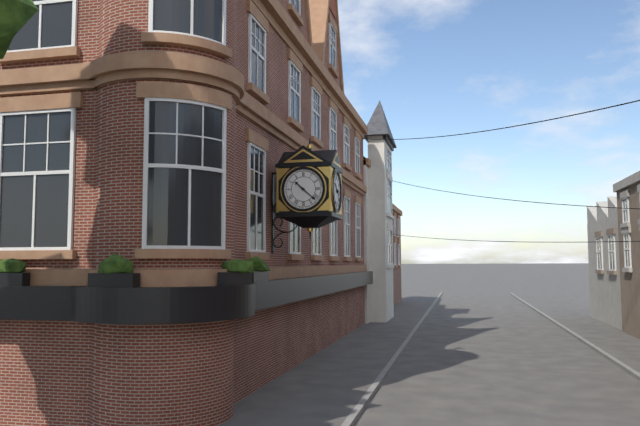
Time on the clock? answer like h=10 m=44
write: h=10 m=22
